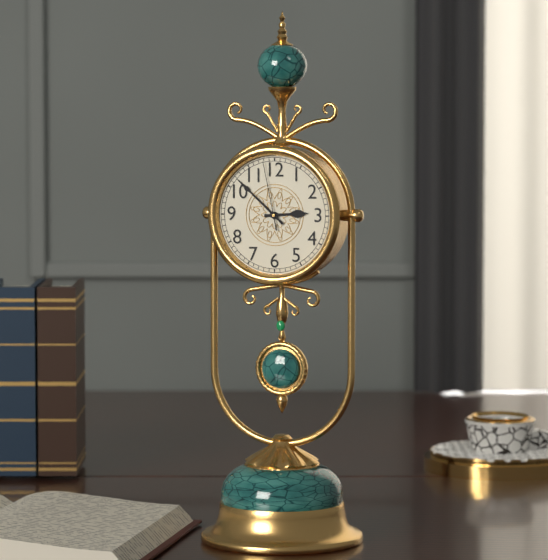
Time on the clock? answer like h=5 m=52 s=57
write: h=2 m=52 s=58
